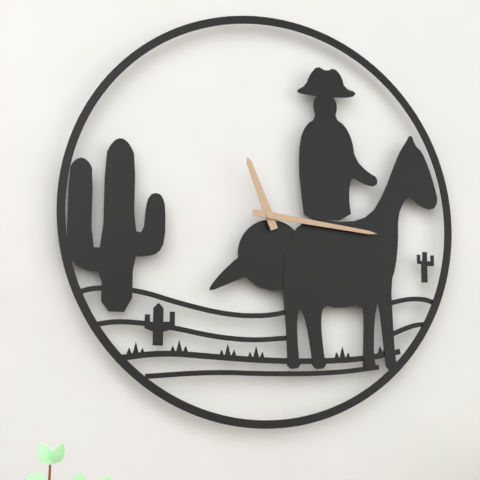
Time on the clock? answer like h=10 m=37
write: h=11 m=16
